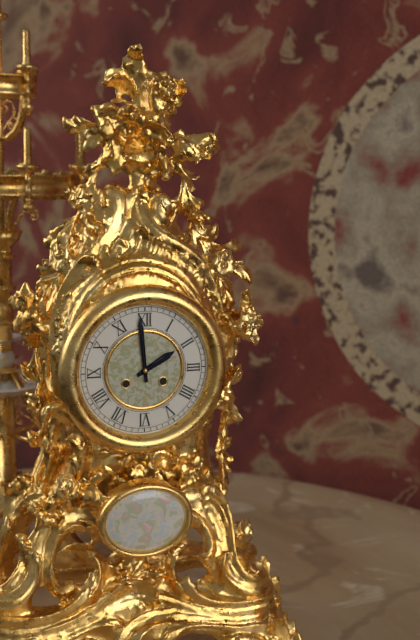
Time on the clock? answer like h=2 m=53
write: h=1 m=59
